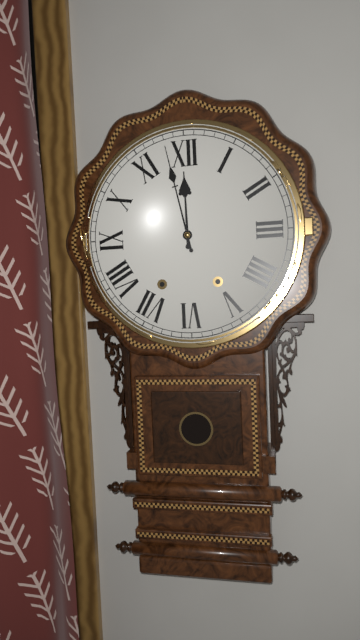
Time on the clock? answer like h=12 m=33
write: h=11 m=58
